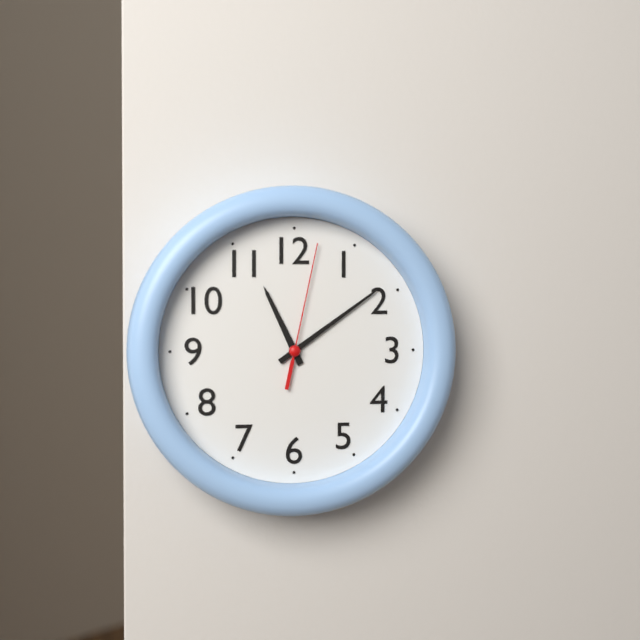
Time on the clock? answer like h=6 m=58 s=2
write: h=11 m=9 s=2
